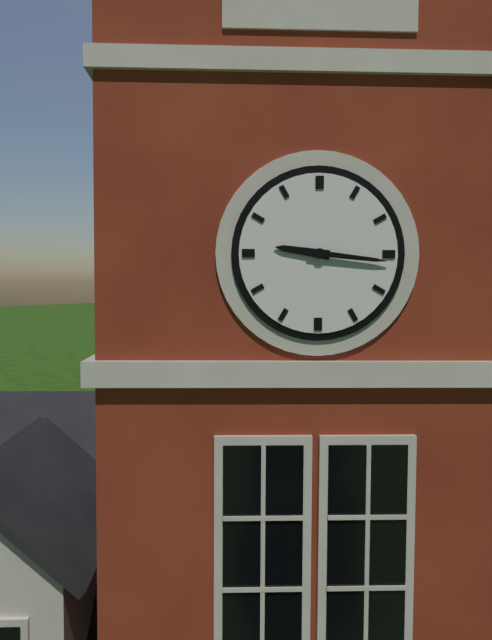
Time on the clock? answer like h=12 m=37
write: h=9 m=16
